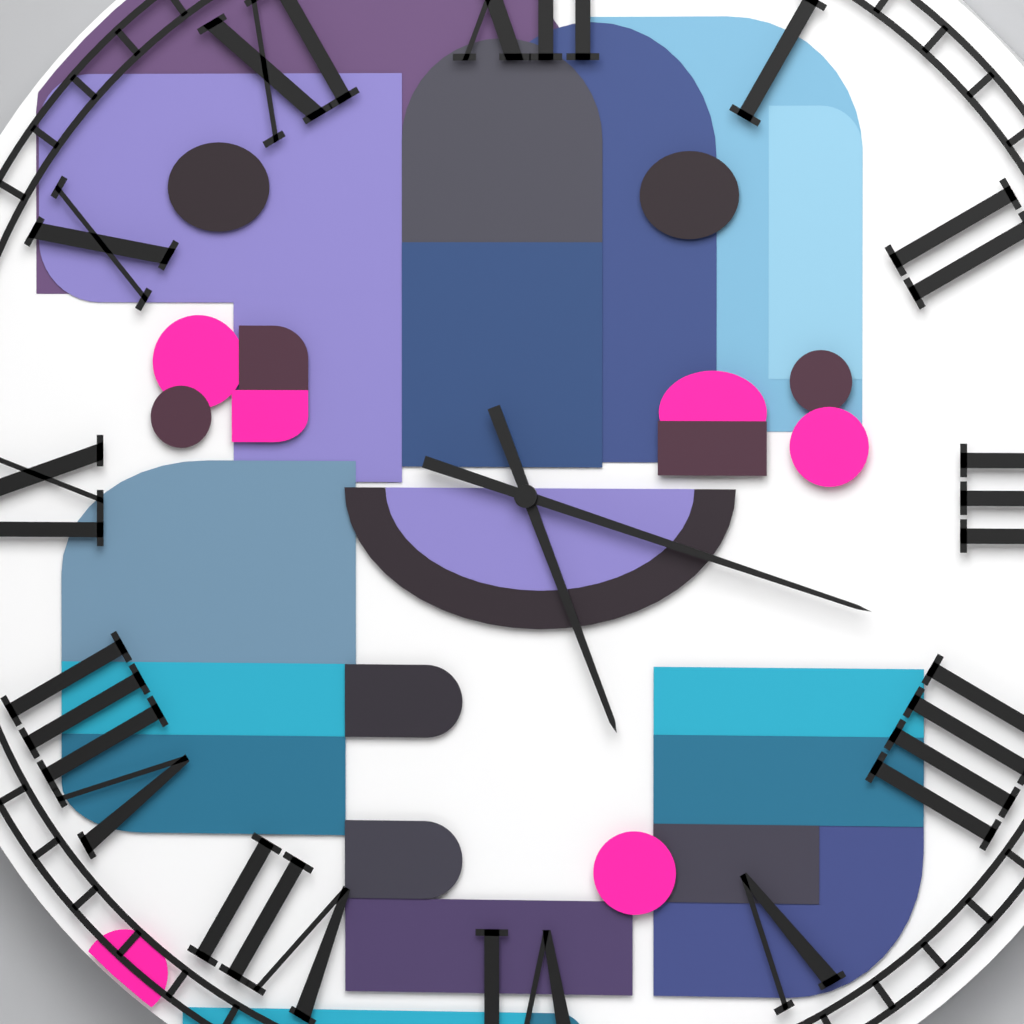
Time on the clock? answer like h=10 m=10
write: h=5 m=18
